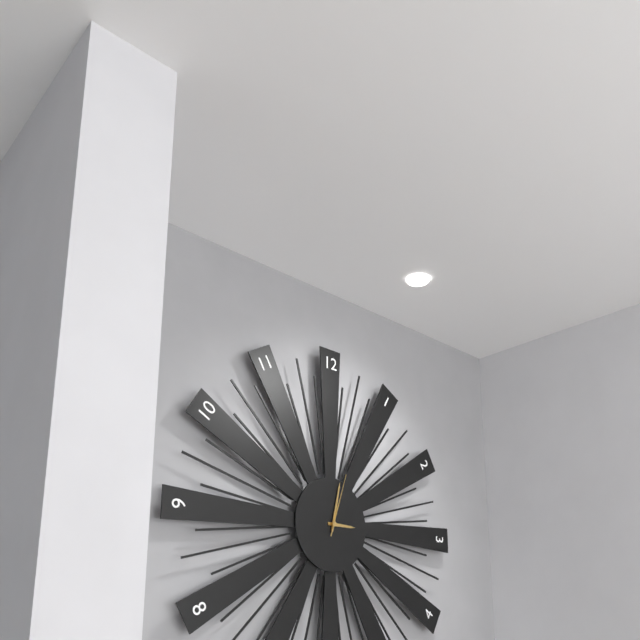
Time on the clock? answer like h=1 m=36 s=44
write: h=3 m=2 s=3
